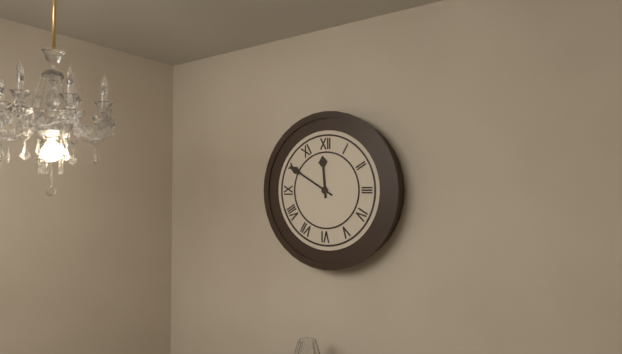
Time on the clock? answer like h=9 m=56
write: h=11 m=50
